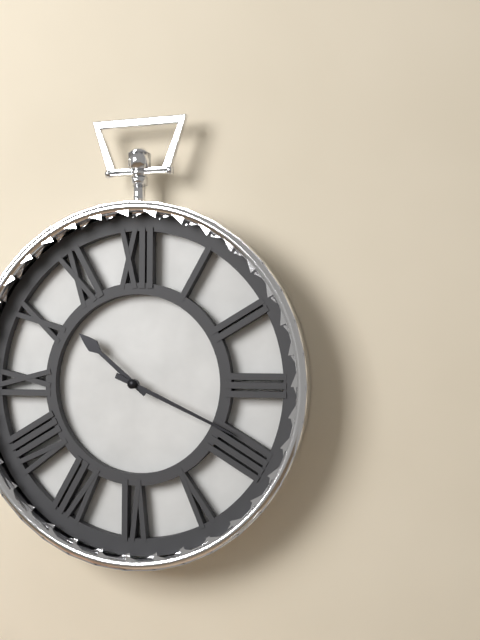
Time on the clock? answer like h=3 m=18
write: h=10 m=19
